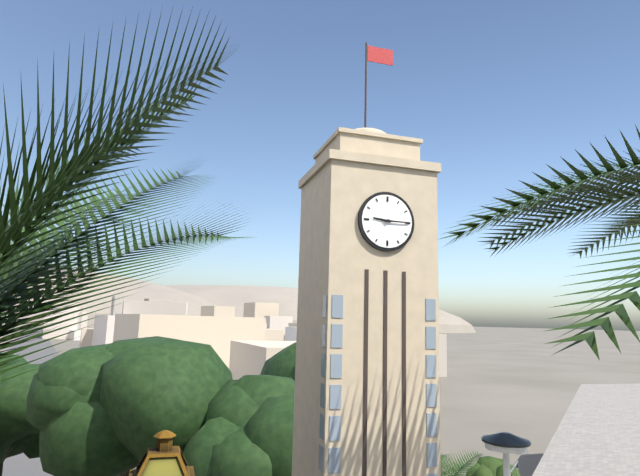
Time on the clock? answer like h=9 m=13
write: h=9 m=15
